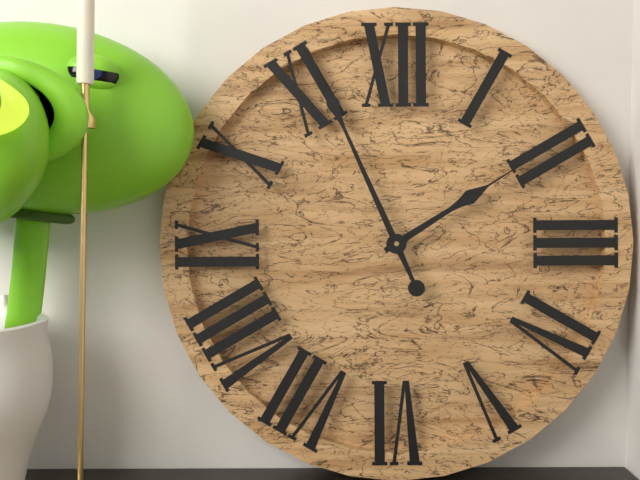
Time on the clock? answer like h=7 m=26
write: h=1 m=56
